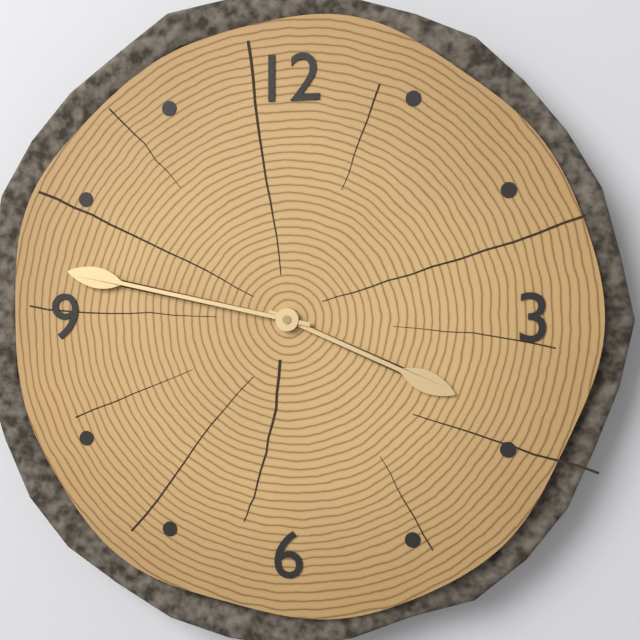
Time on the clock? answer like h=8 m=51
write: h=3 m=47
